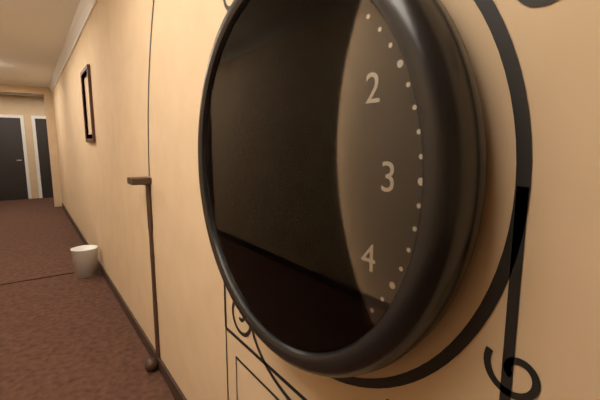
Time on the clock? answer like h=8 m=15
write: h=9 m=39
